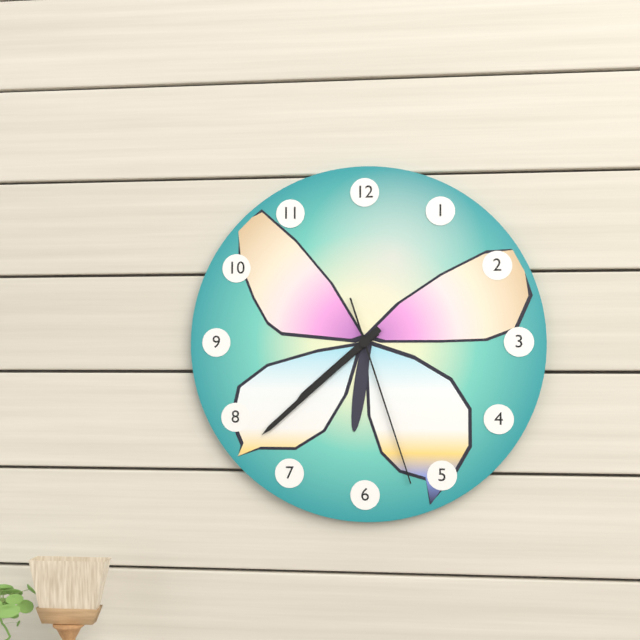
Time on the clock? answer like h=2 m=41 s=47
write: h=7 m=38 s=27
